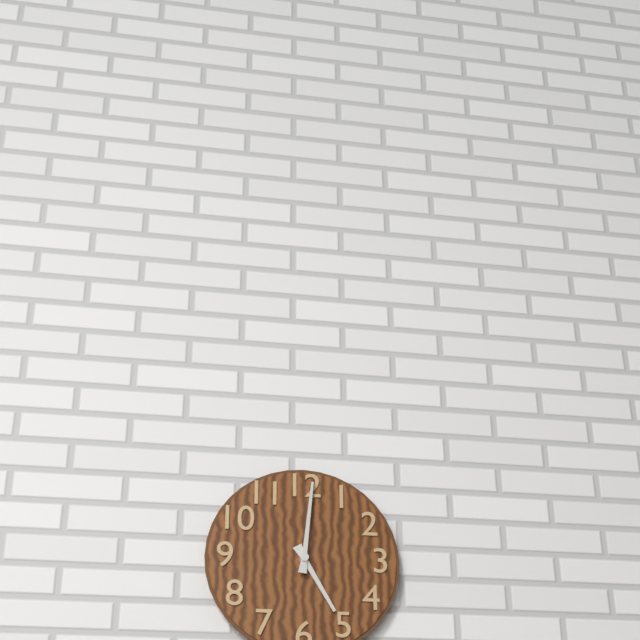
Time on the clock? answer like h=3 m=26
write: h=5 m=1
